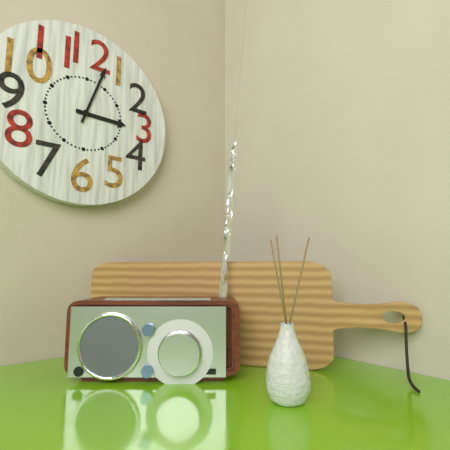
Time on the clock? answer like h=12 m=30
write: h=3 m=3
